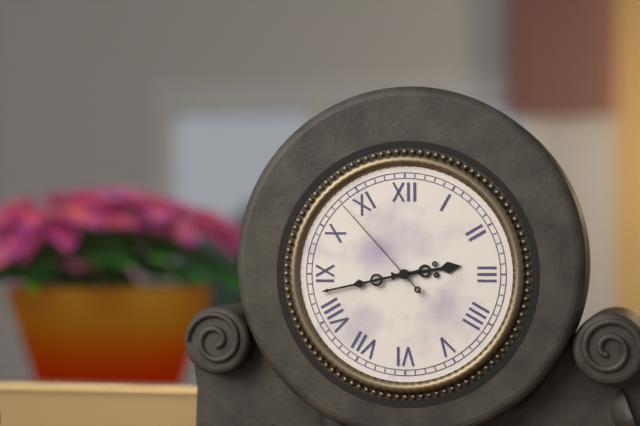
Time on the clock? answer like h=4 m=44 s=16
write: h=2 m=43 s=53
